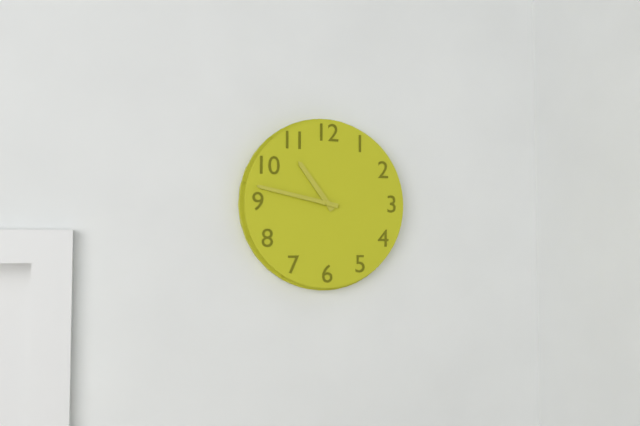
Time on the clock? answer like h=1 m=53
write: h=10 m=47
